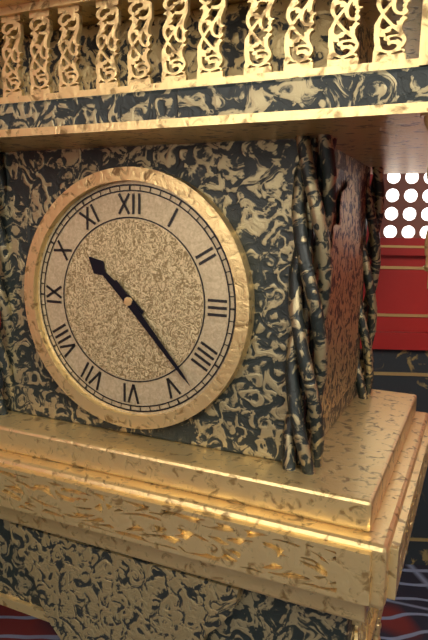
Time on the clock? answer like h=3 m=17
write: h=10 m=23
